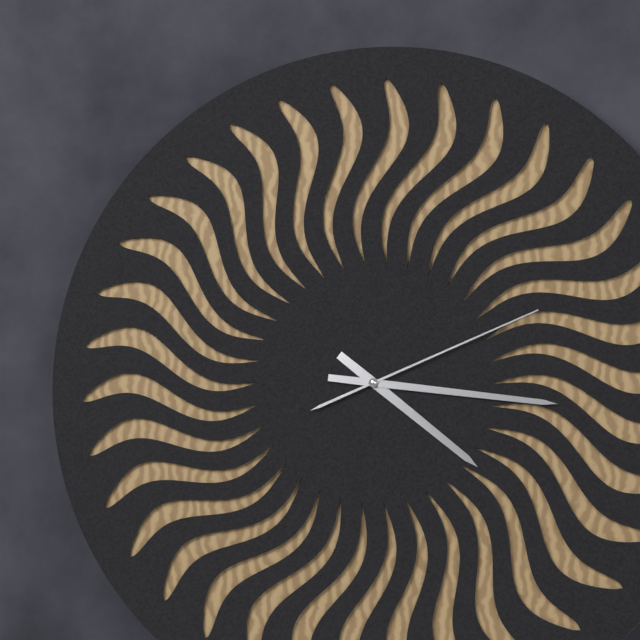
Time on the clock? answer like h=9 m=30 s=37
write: h=4 m=16 s=11
